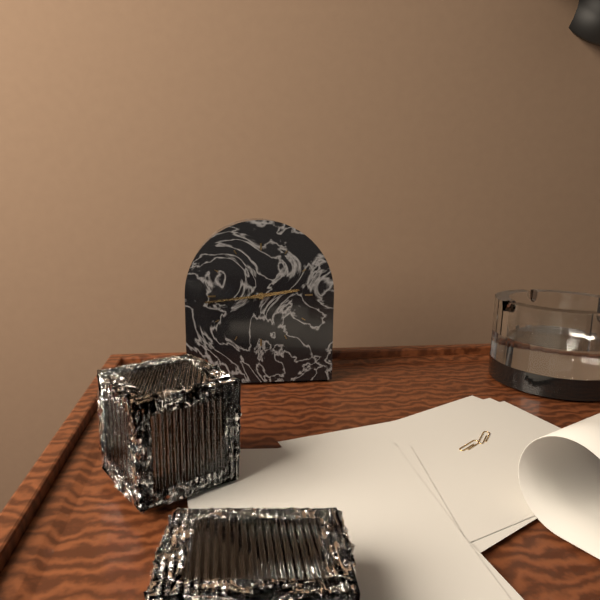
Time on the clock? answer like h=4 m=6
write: h=2 m=44
